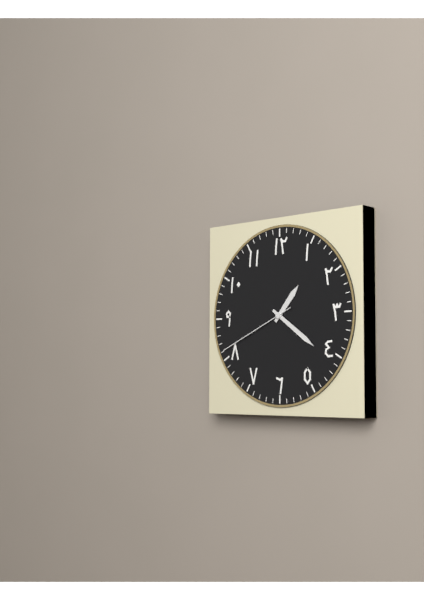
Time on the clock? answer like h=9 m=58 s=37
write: h=1 m=21 s=41
